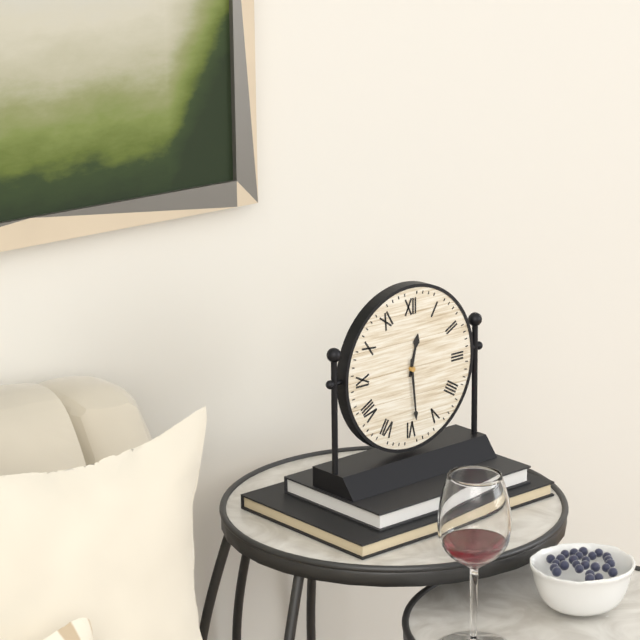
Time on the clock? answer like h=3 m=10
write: h=12 m=29
